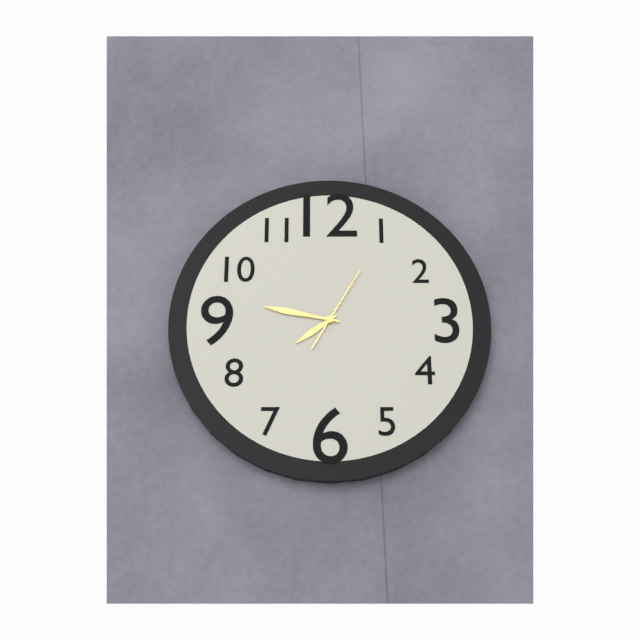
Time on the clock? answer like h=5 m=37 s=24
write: h=7 m=47 s=5
